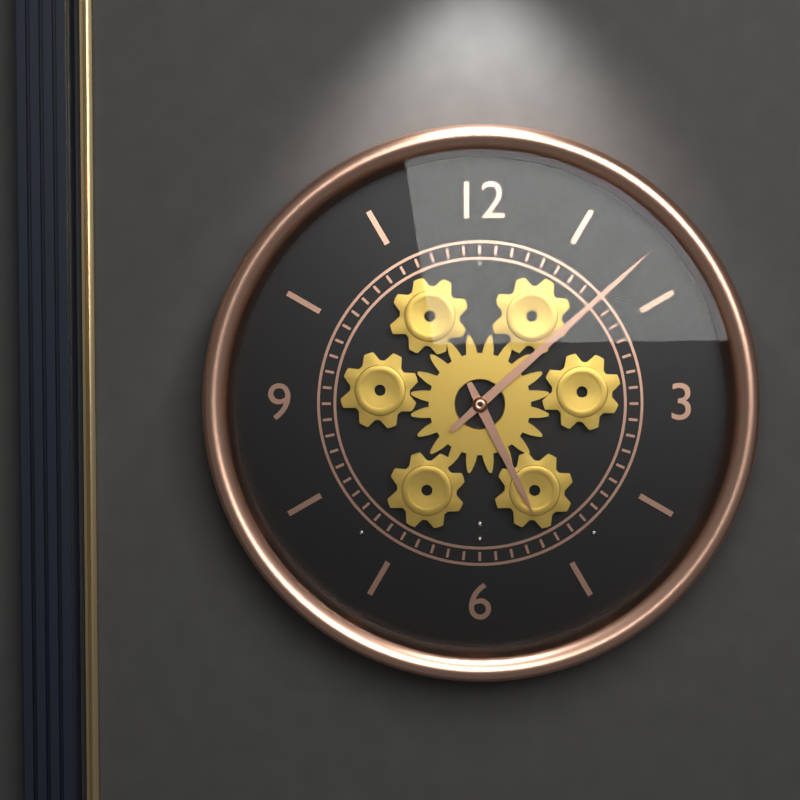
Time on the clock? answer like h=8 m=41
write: h=5 m=8
